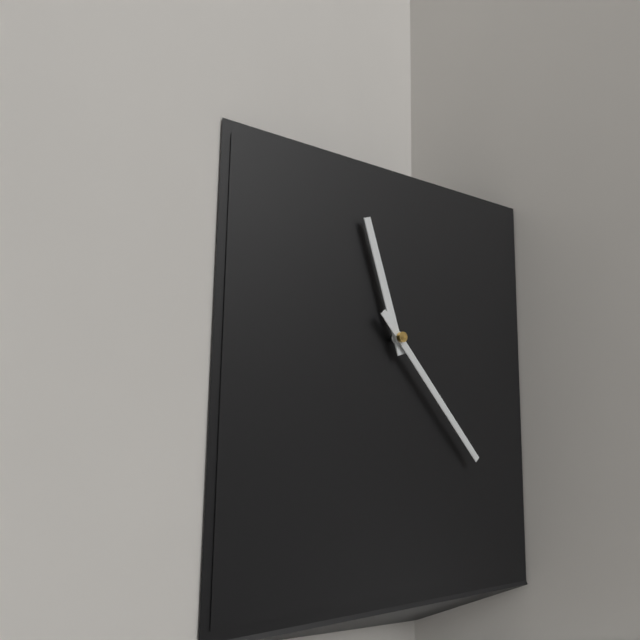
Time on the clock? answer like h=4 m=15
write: h=11 m=23
